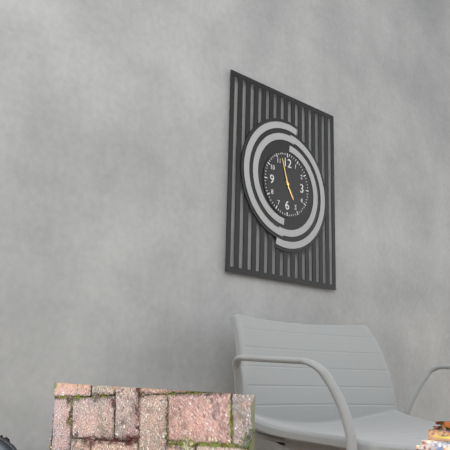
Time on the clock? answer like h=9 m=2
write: h=4 m=57
